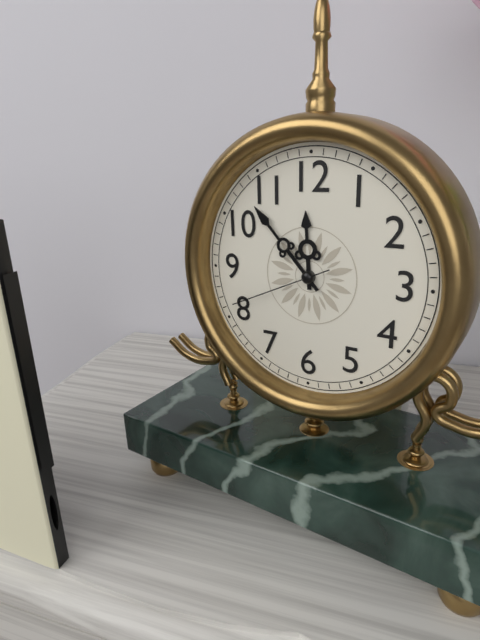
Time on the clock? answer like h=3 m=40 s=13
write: h=11 m=53 s=41
